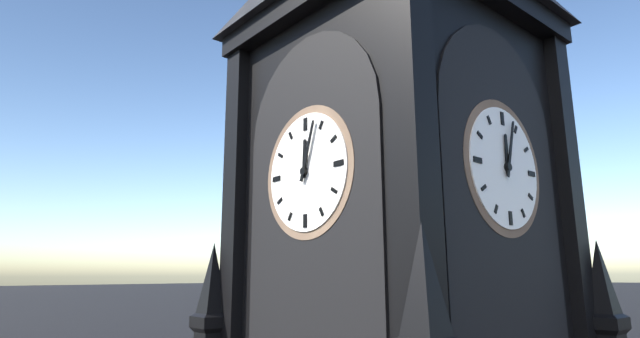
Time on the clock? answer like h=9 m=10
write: h=12 m=3
